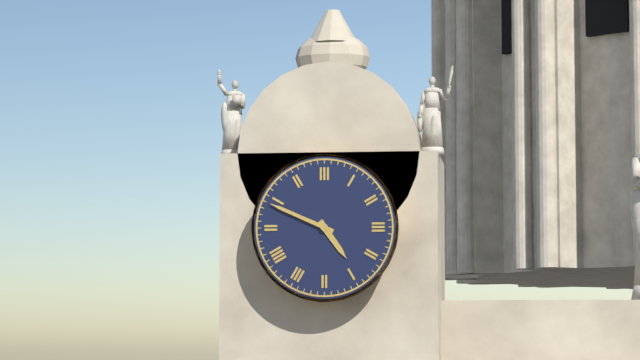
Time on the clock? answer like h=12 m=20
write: h=4 m=49
